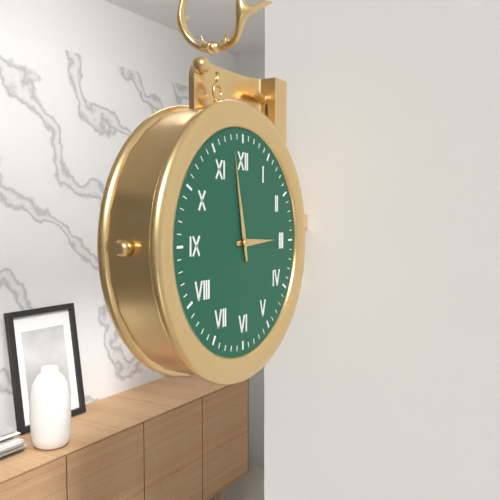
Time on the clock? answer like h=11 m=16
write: h=2 m=58
